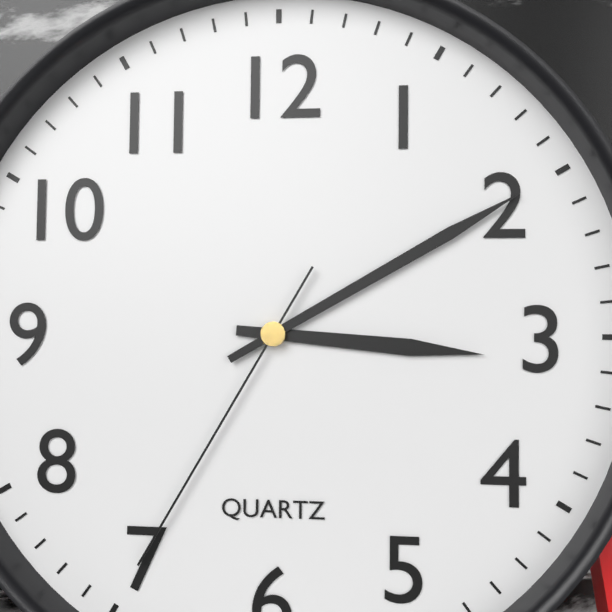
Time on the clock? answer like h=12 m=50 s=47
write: h=3 m=10 s=35
